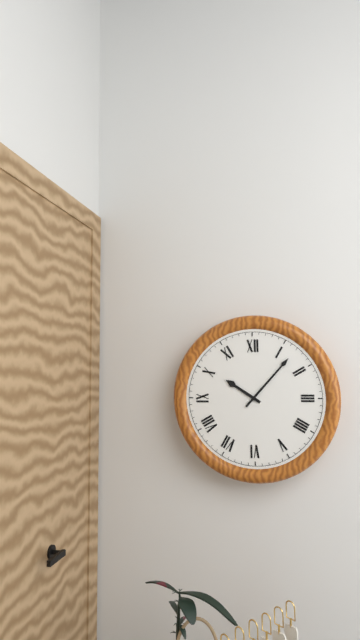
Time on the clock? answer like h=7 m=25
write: h=10 m=7
